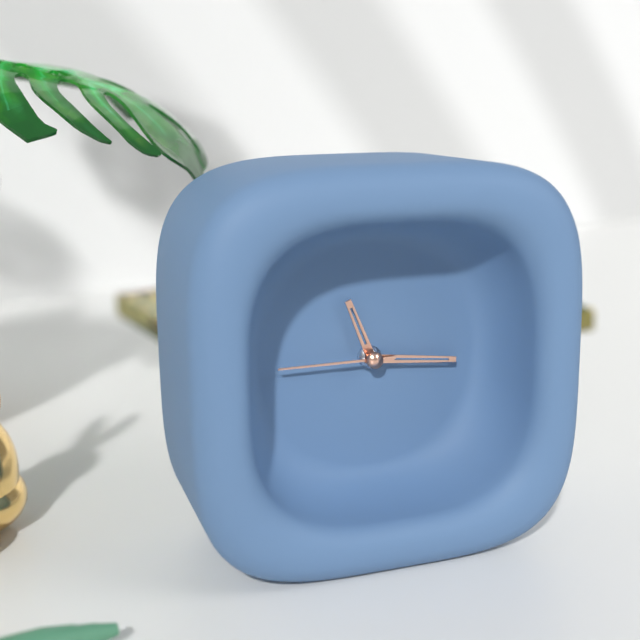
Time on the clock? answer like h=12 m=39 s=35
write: h=11 m=16 s=45
